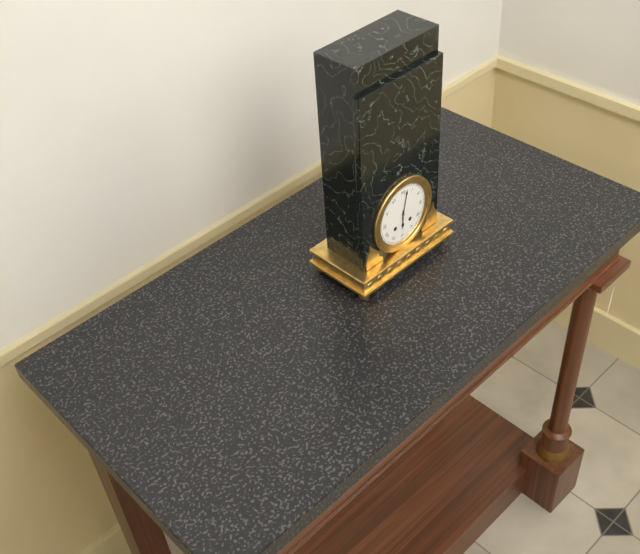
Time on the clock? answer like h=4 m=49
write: h=6 m=2
